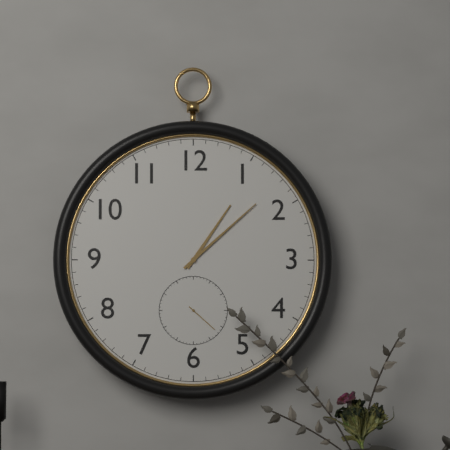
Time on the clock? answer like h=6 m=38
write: h=1 m=8
